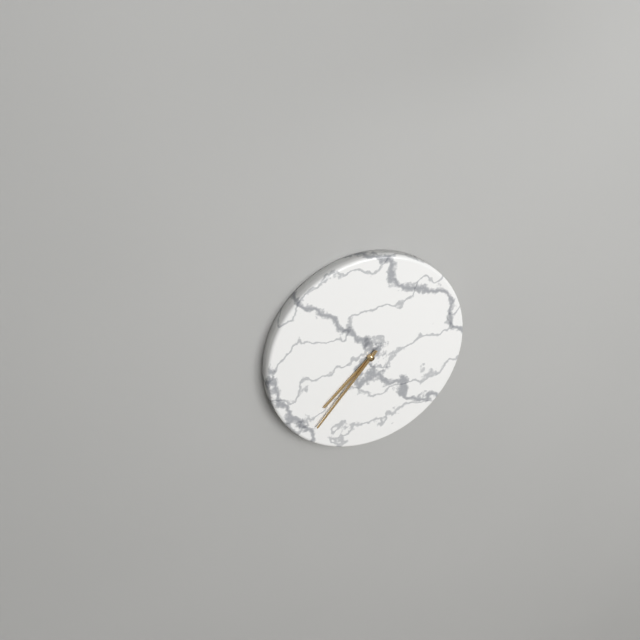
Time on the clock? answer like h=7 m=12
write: h=7 m=37
